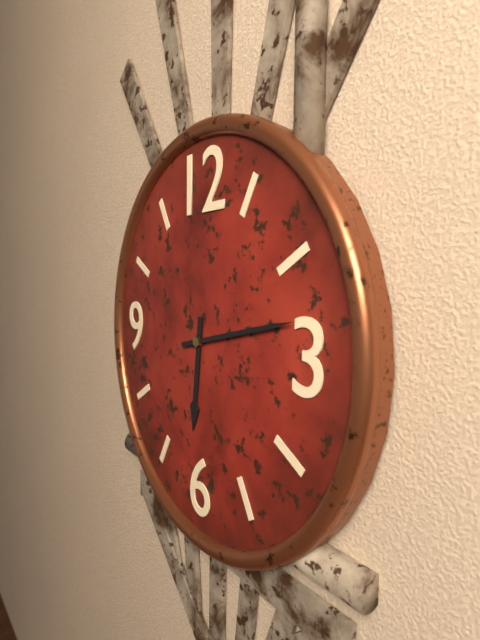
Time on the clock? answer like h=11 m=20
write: h=6 m=13
